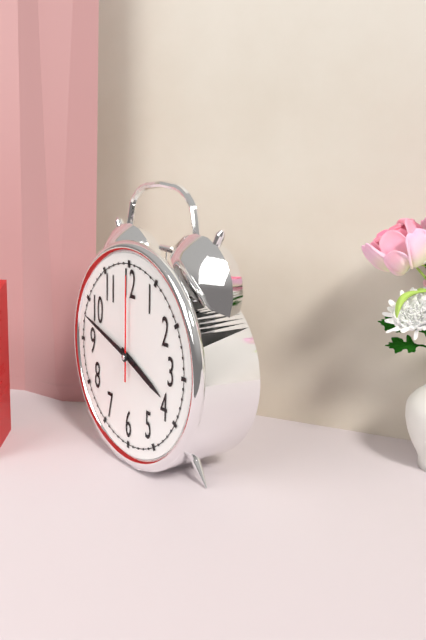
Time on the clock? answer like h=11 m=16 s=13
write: h=3 m=48 s=0
